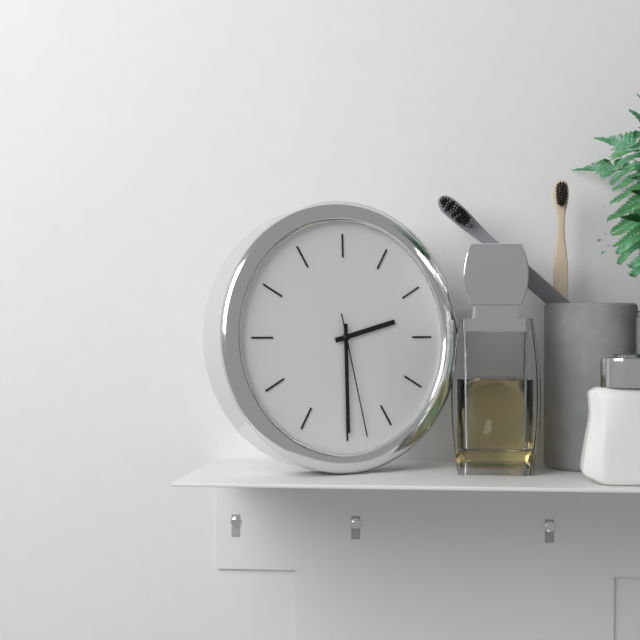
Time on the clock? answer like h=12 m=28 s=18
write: h=2 m=30 s=28
